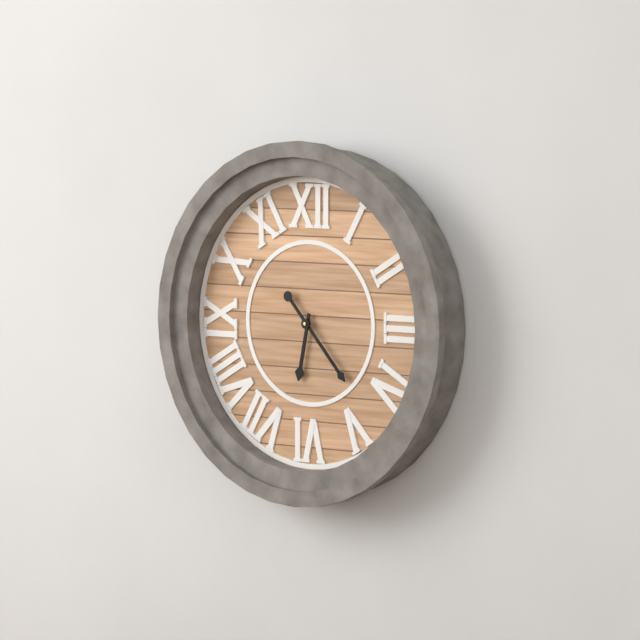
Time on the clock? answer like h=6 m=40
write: h=6 m=23
